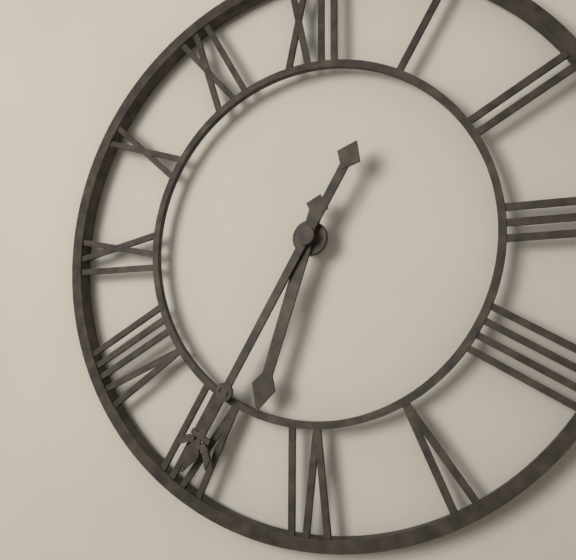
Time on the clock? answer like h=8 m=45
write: h=6 m=35
